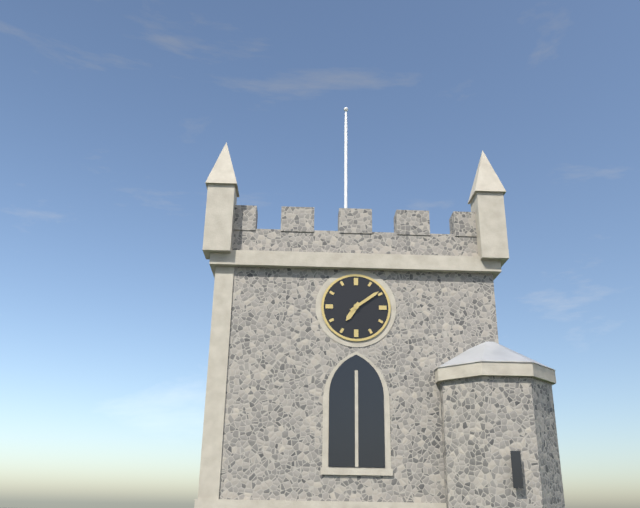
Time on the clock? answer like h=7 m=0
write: h=7 m=9
